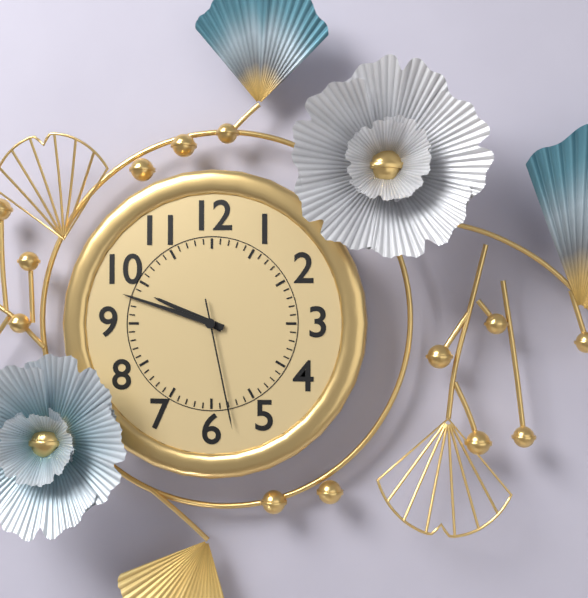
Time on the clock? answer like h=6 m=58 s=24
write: h=9 m=48 s=28
